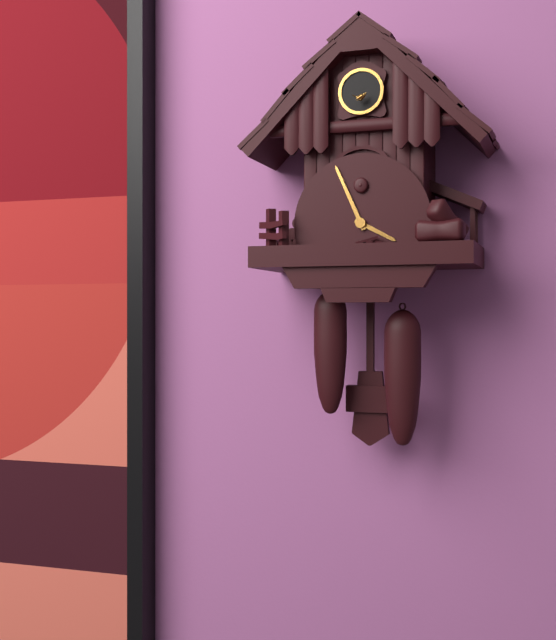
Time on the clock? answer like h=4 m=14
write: h=3 m=56
